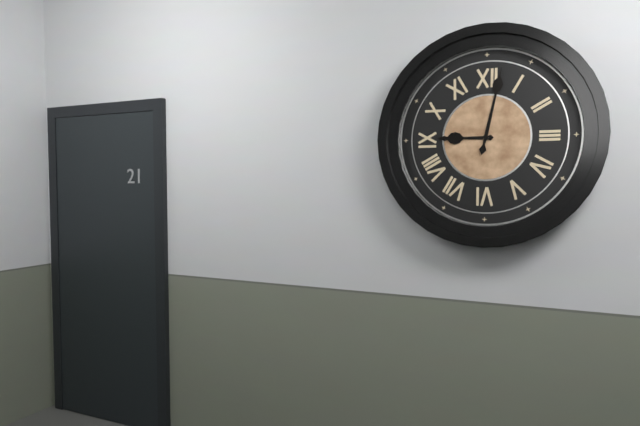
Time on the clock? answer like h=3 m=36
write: h=9 m=2
